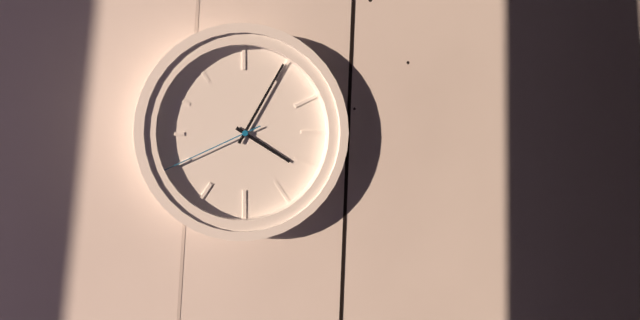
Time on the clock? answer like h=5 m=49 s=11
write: h=4 m=5 s=41
